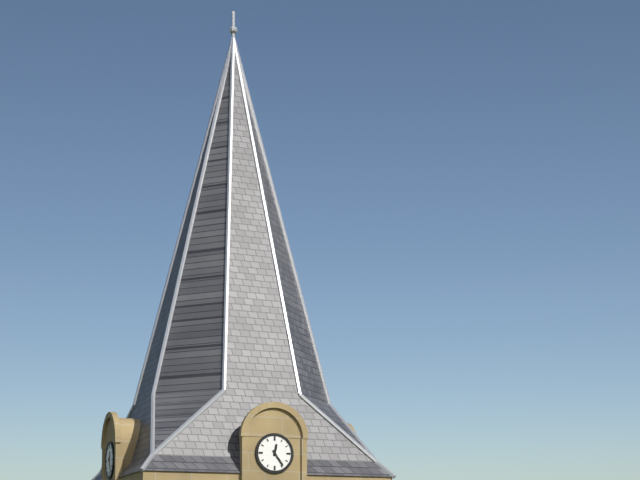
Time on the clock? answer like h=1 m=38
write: h=12 m=24
